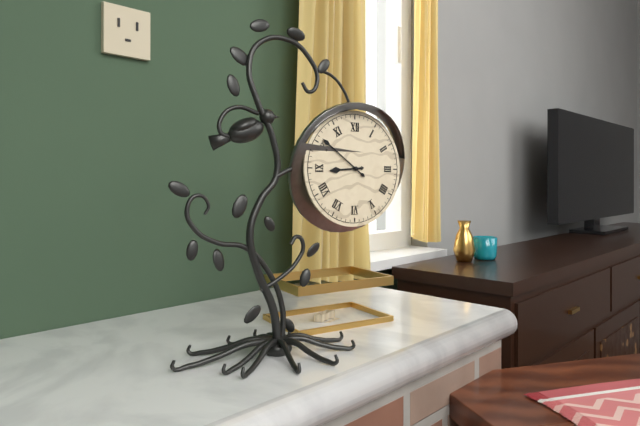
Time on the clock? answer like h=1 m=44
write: h=8 m=51
